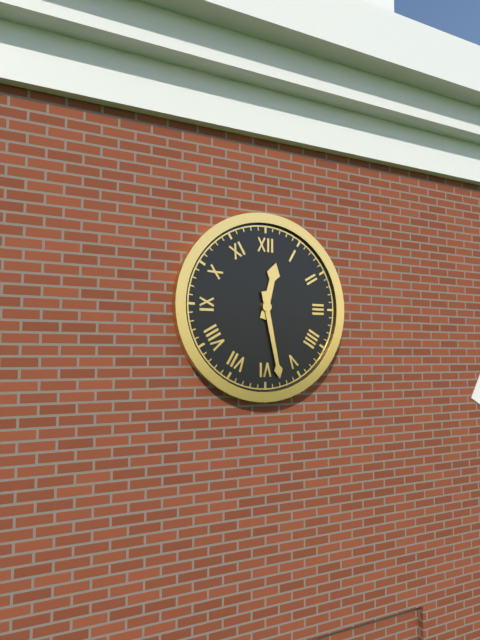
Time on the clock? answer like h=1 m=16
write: h=12 m=28
